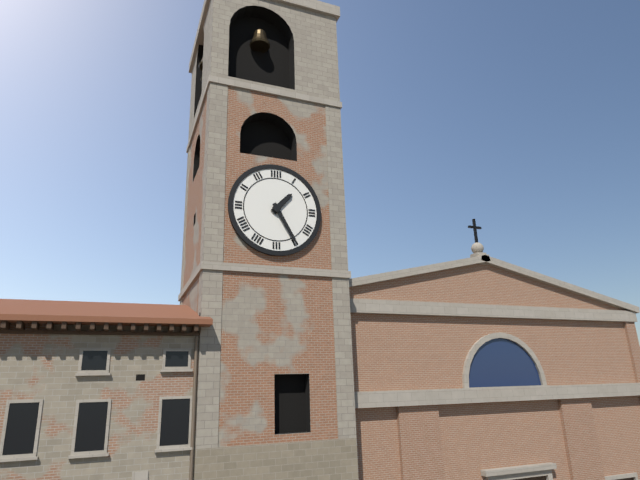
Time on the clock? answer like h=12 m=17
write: h=1 m=25
